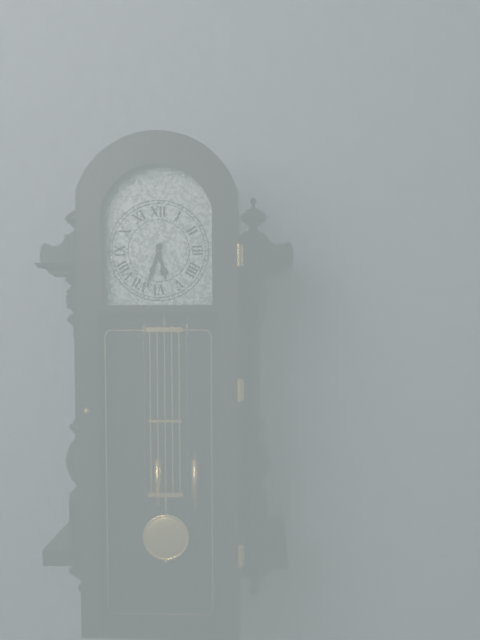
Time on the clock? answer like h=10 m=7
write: h=5 m=33
